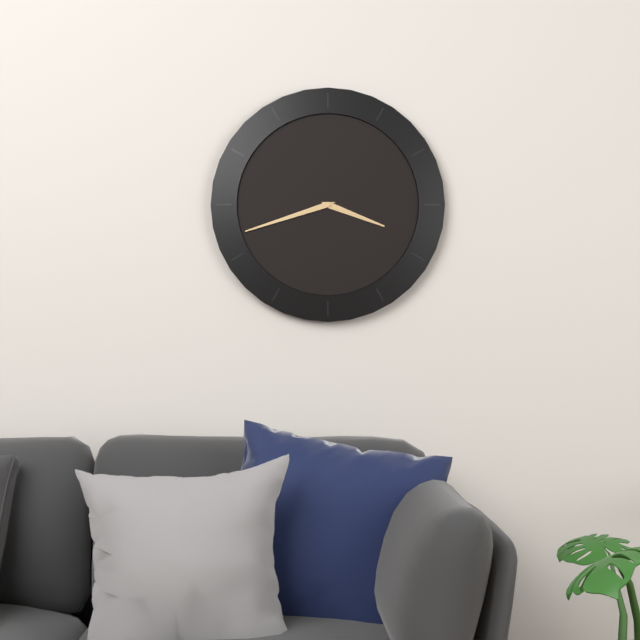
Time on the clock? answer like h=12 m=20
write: h=3 m=42
